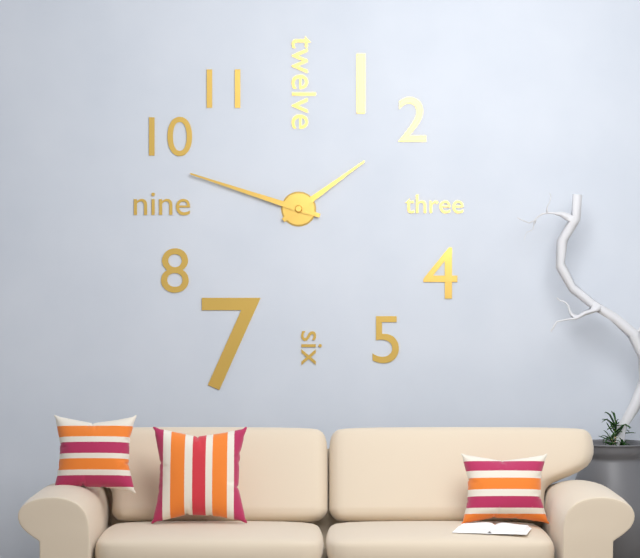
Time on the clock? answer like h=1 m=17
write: h=1 m=48
